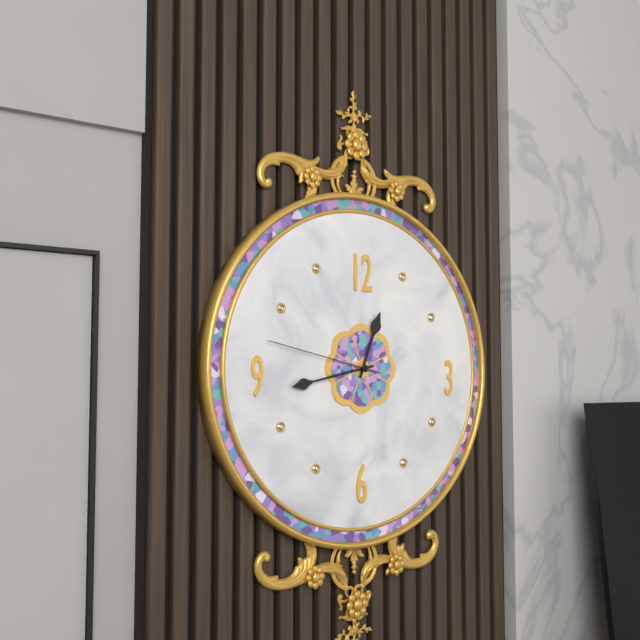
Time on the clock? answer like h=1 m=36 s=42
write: h=12 m=43 s=47
